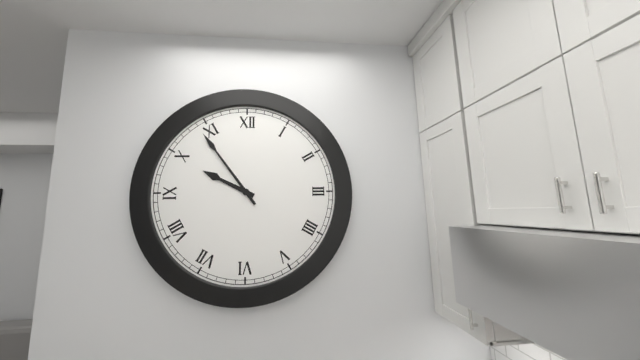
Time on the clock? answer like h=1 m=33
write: h=9 m=54
